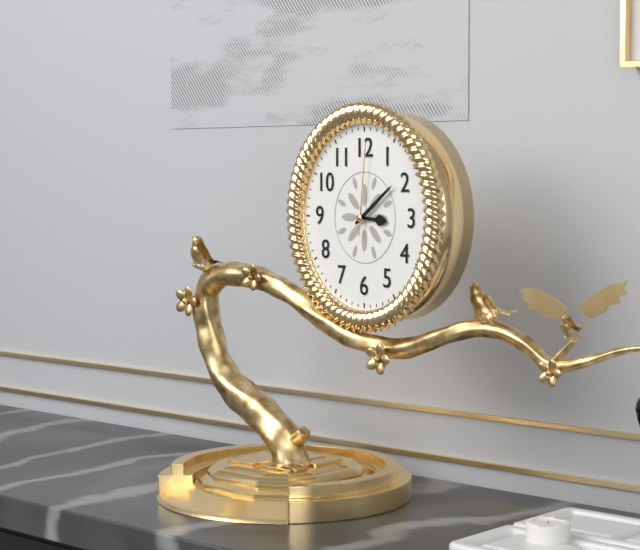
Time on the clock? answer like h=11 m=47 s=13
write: h=3 m=9 s=1
